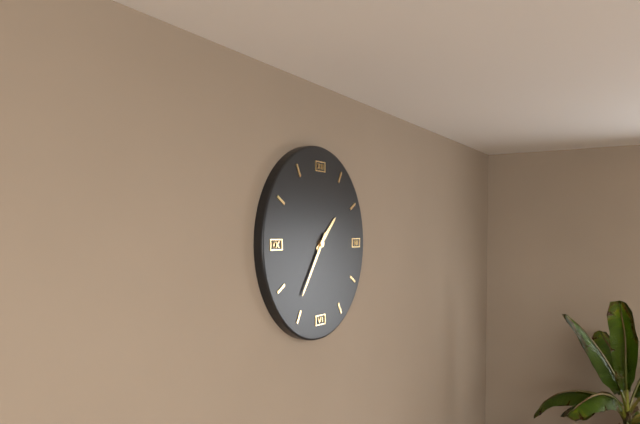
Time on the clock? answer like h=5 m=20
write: h=1 m=36
